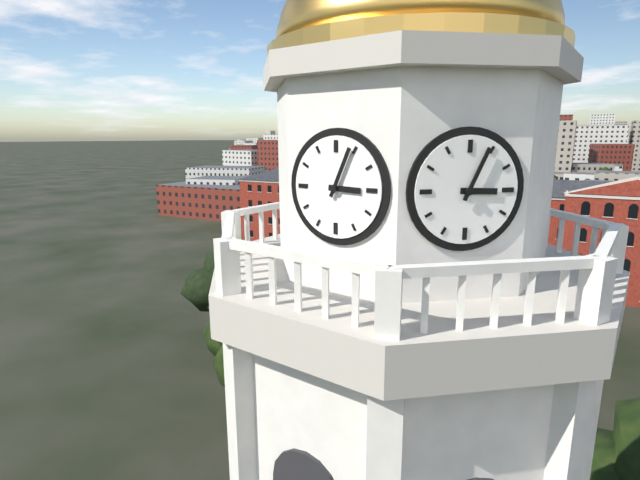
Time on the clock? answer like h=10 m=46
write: h=3 m=4
